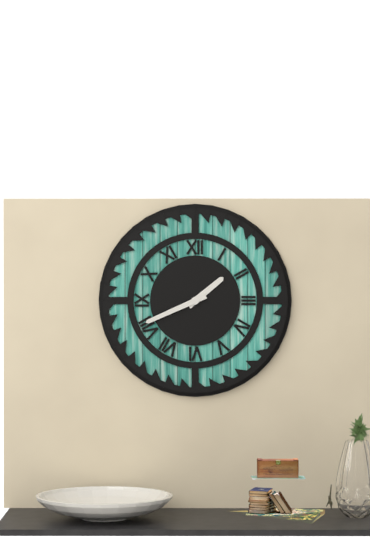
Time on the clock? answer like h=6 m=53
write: h=1 m=41
